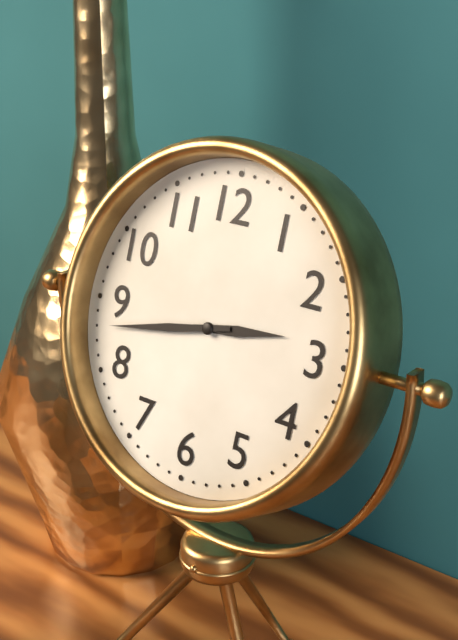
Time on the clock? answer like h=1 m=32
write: h=2 m=43
